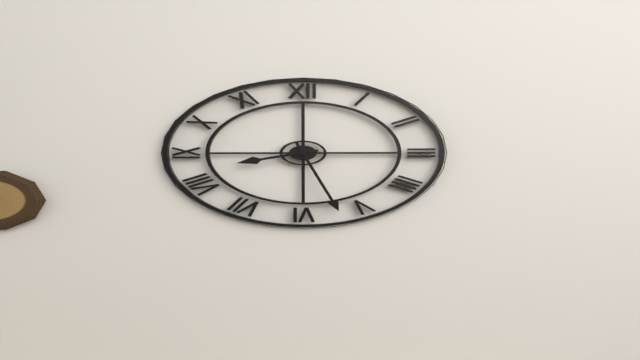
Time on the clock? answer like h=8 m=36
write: h=8 m=27
